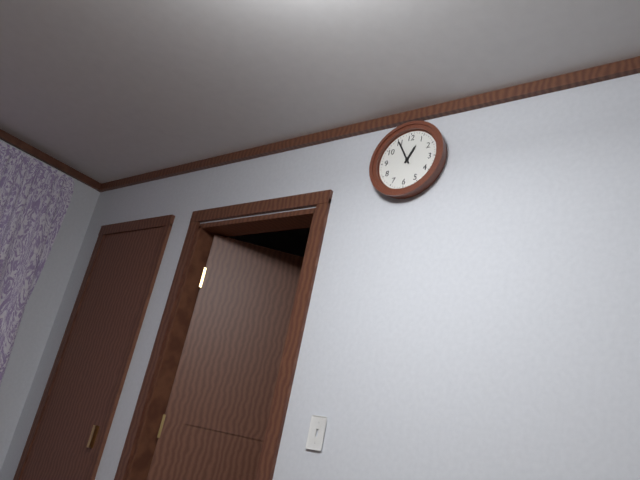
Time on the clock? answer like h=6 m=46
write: h=12 m=55
